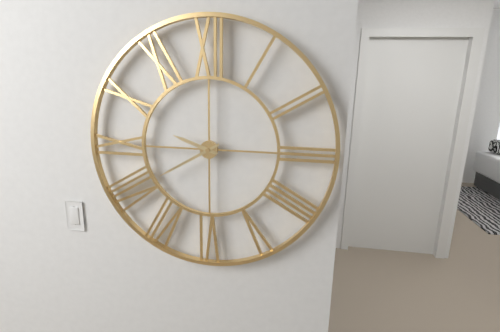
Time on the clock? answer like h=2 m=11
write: h=9 m=40
